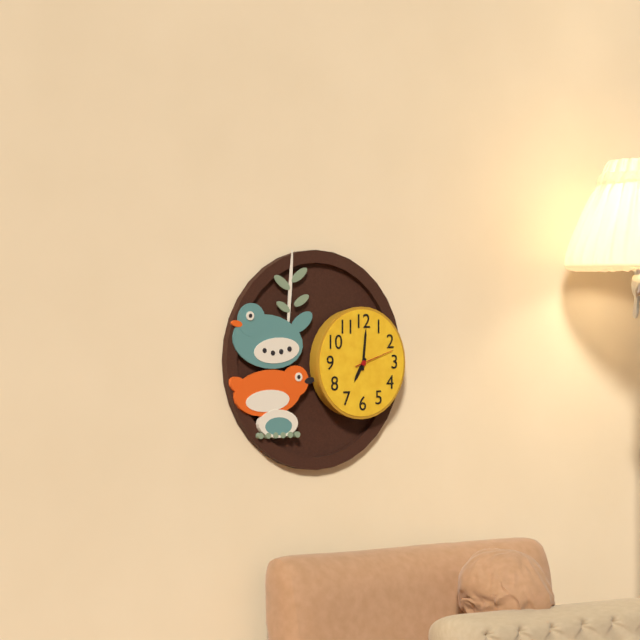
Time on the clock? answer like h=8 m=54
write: h=7 m=1
